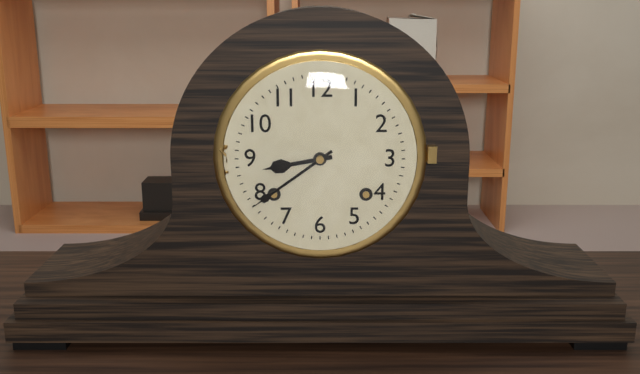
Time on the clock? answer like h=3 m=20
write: h=8 m=39
